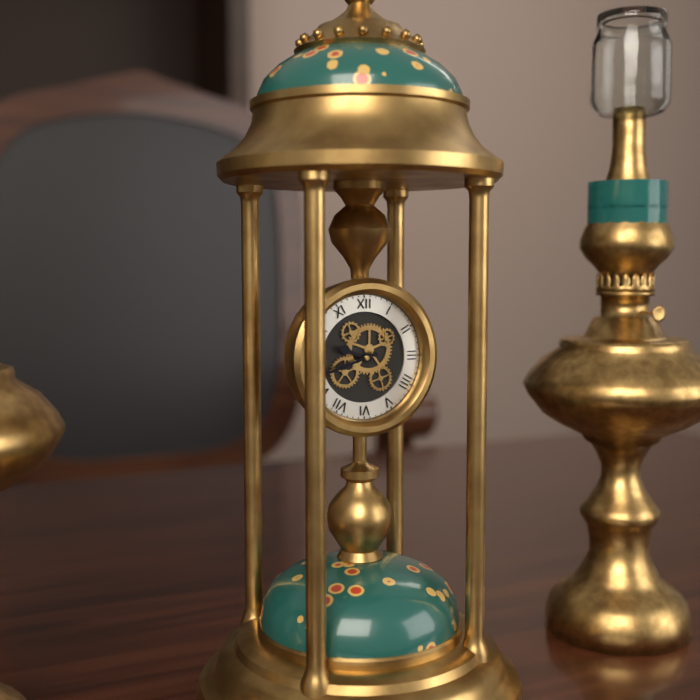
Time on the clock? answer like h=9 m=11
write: h=9 m=42
